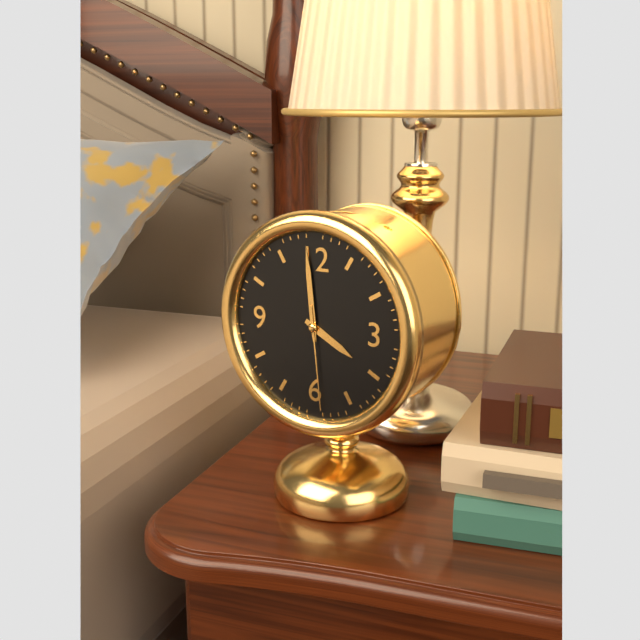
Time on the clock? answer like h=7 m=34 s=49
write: h=3 m=59 s=29
